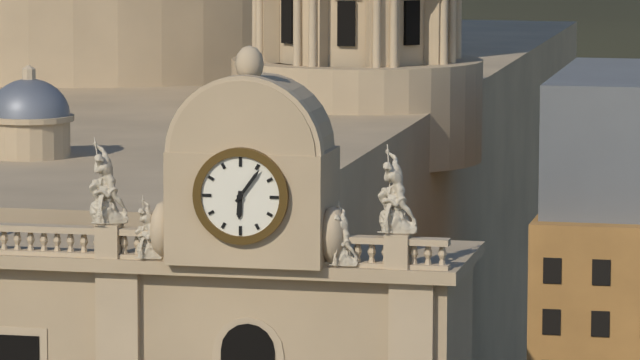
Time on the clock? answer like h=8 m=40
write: h=6 m=6
